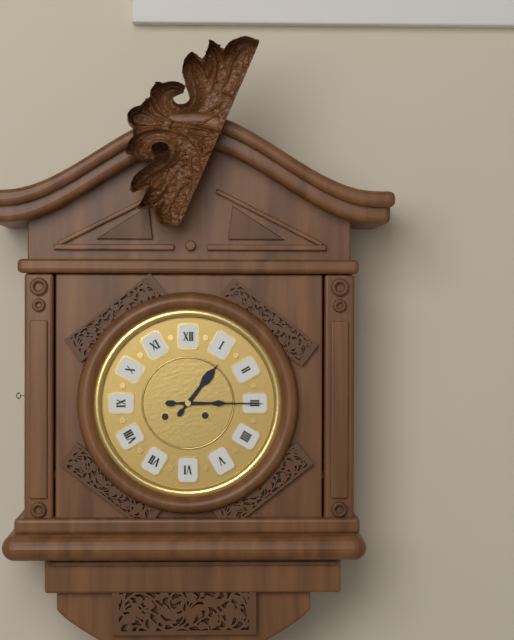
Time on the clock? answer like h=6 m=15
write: h=1 m=15
